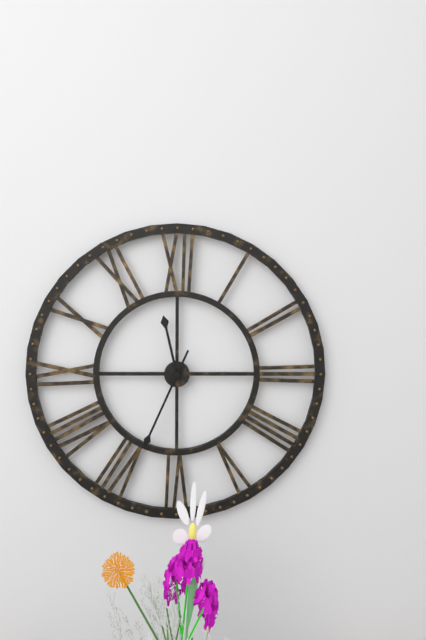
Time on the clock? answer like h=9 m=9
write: h=11 m=34
